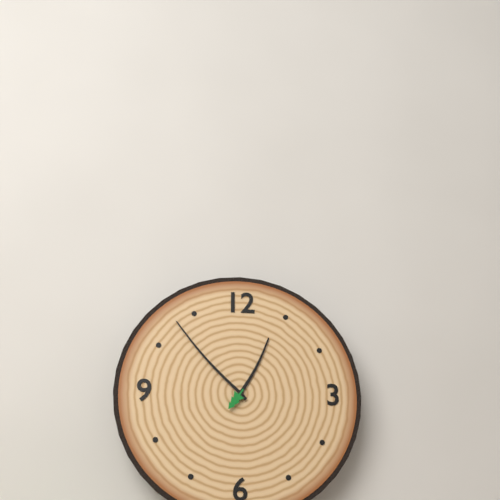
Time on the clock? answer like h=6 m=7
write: h=12 m=53
